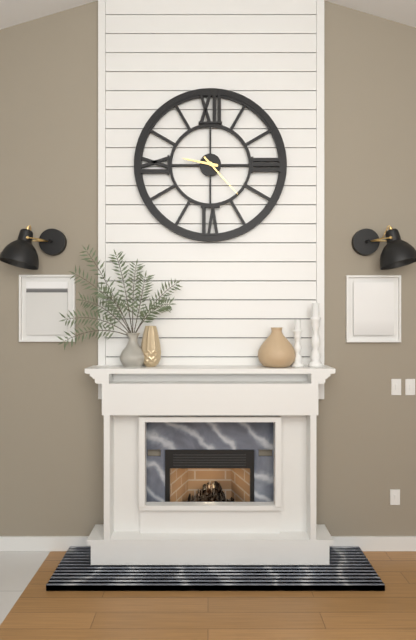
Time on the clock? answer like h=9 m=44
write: h=9 m=23
